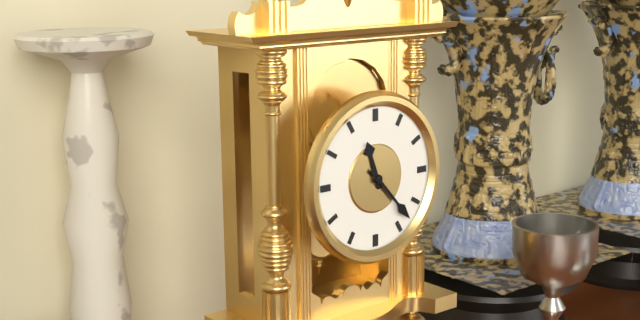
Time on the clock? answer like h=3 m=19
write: h=11 m=23
